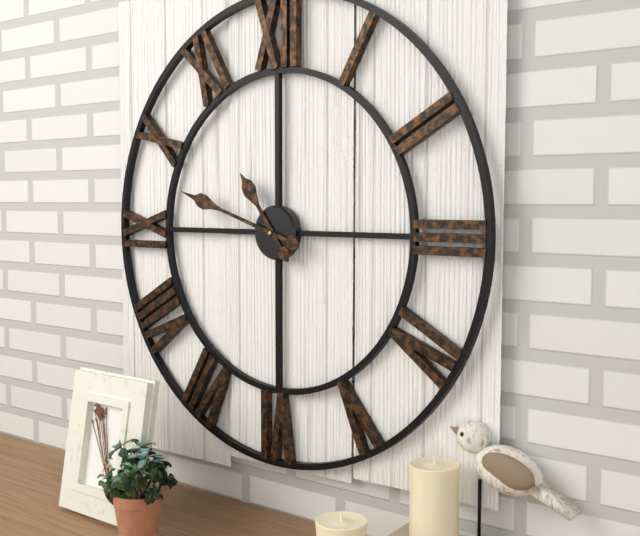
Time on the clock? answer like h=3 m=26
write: h=10 m=48
